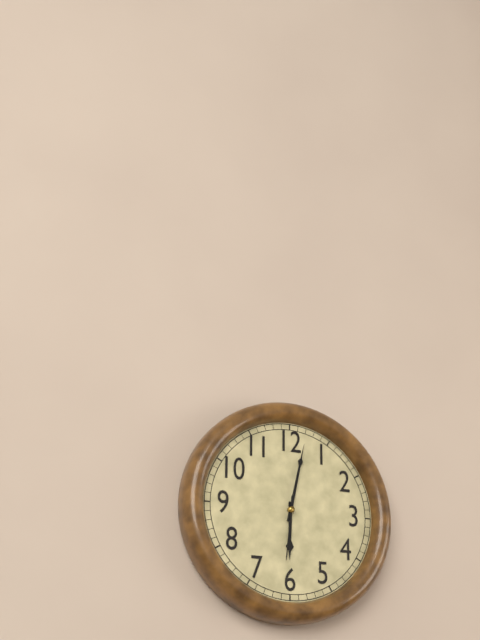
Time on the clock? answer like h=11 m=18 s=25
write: h=6 m=2 s=31
